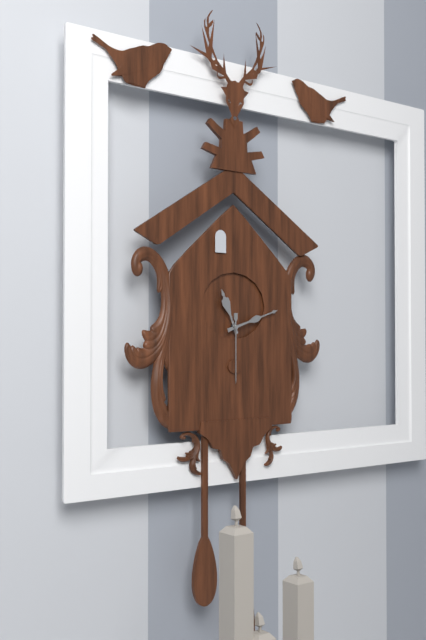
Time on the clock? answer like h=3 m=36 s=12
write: h=11 m=12 s=30
